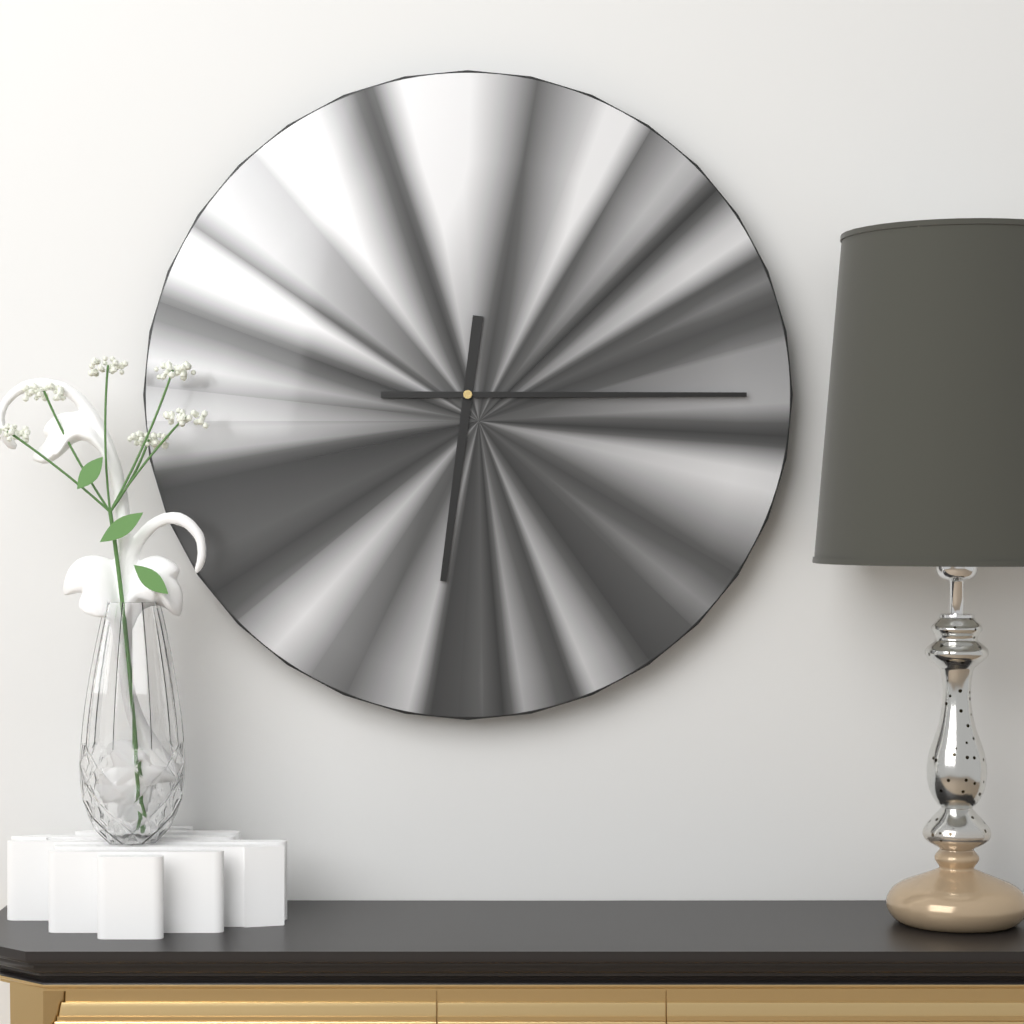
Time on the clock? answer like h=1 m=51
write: h=6 m=15
